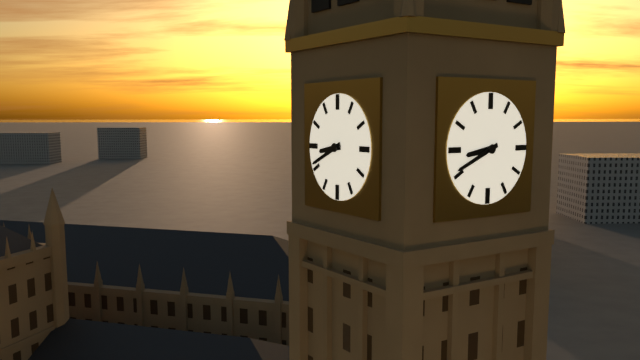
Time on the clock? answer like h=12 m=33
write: h=8 m=41
